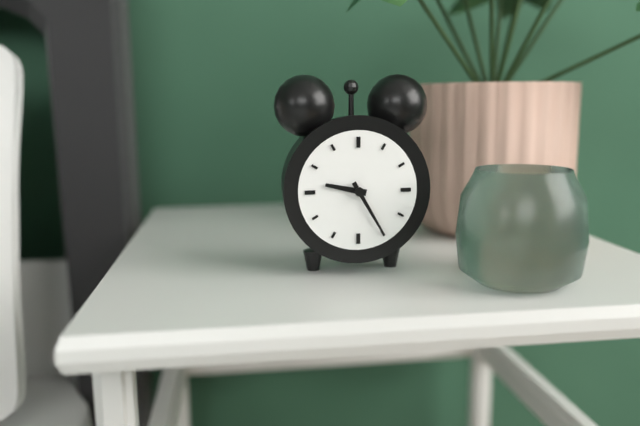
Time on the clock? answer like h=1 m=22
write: h=9 m=25
